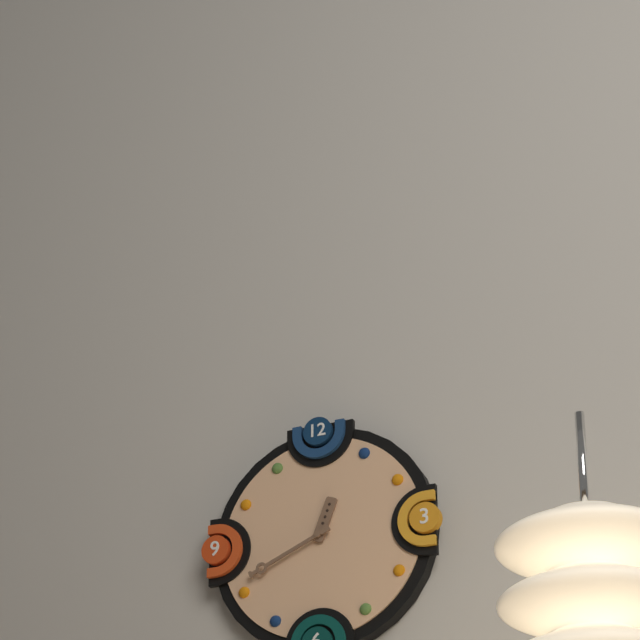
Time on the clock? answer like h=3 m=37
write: h=12 m=41
